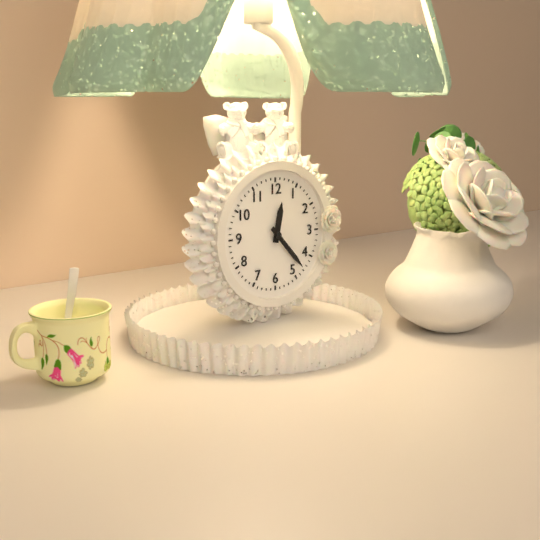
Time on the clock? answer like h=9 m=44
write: h=12 m=23
